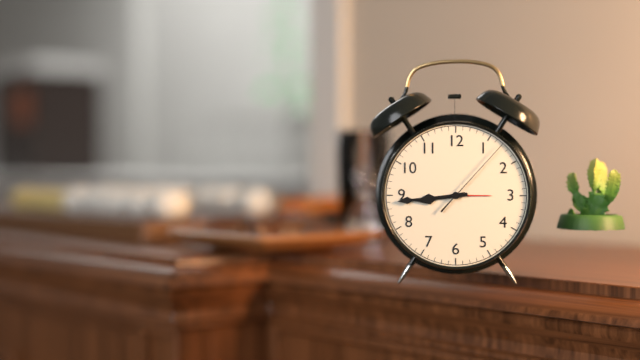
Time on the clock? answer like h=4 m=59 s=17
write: h=8 m=44 s=7
